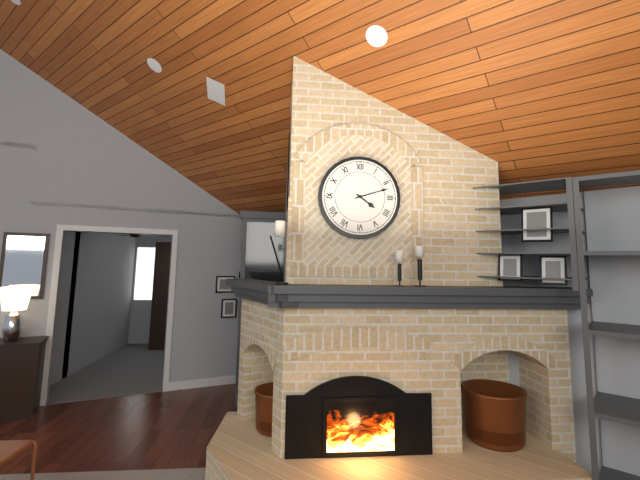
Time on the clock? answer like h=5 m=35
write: h=4 m=12
